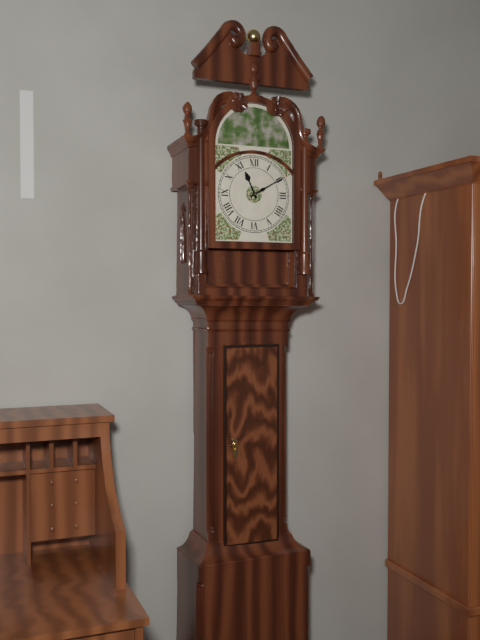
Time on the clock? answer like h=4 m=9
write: h=11 m=10
